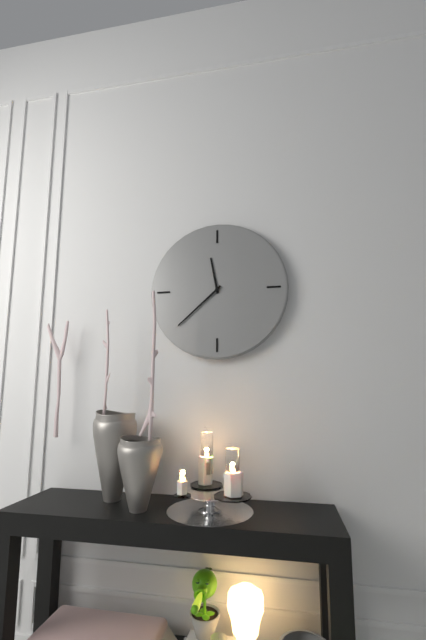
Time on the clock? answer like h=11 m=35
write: h=11 m=38
